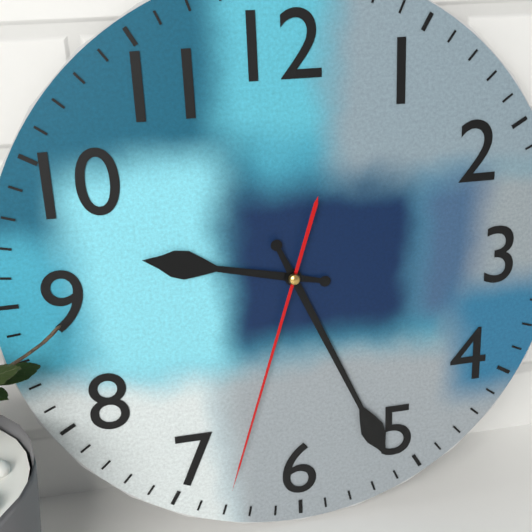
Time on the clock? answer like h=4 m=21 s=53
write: h=9 m=26 s=33
